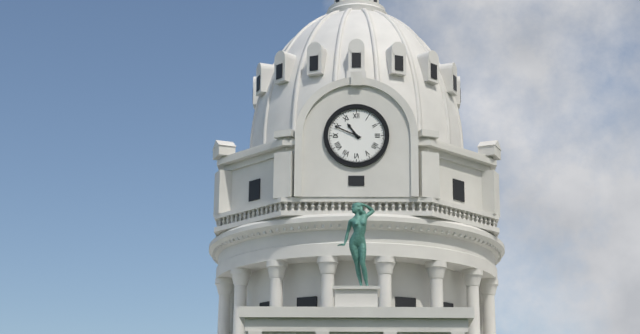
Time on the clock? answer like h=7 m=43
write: h=10 m=49
